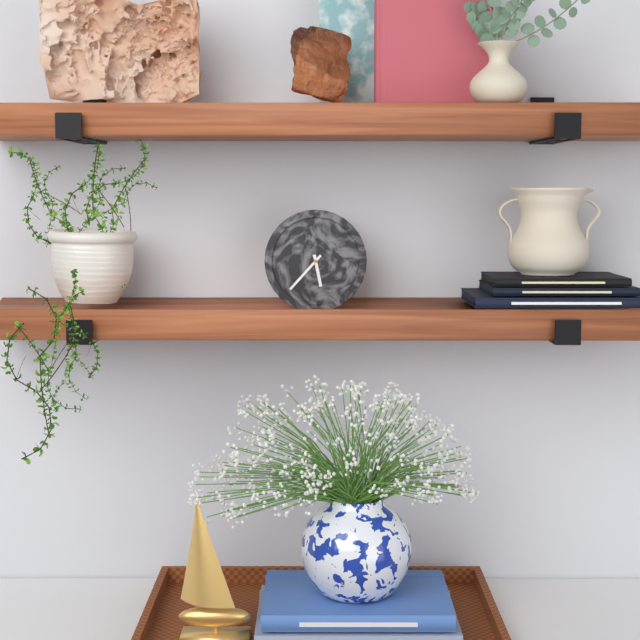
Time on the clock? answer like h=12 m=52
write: h=5 m=37
